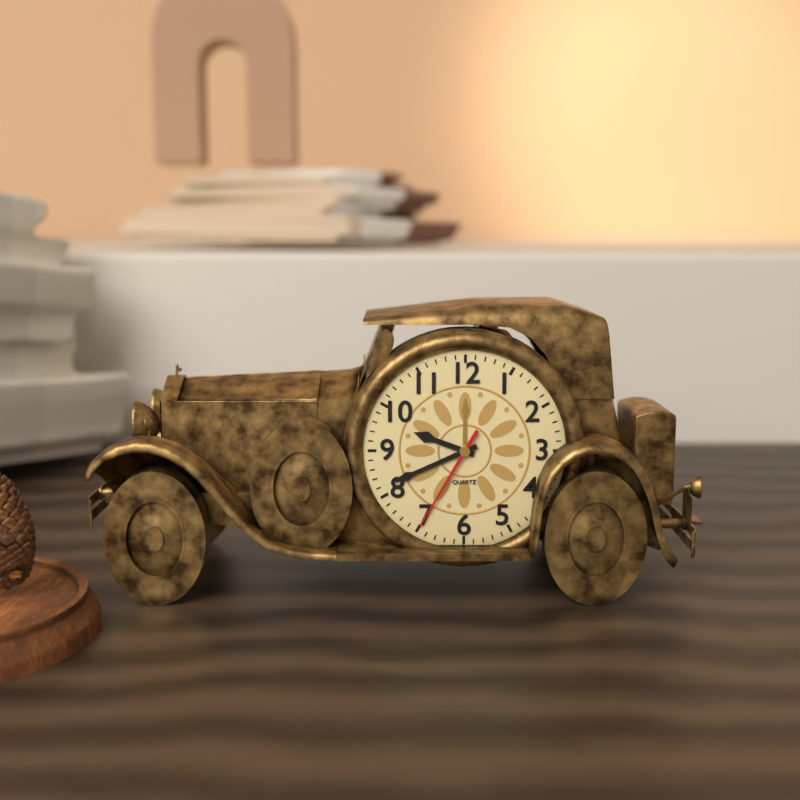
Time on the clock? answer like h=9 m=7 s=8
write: h=9 m=41 s=35
